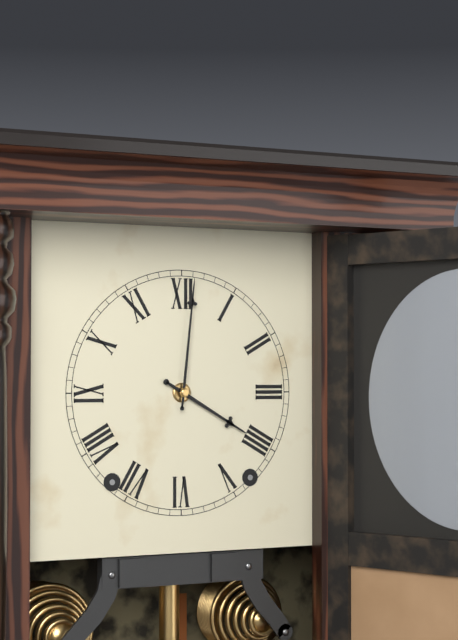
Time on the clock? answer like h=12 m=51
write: h=4 m=1
